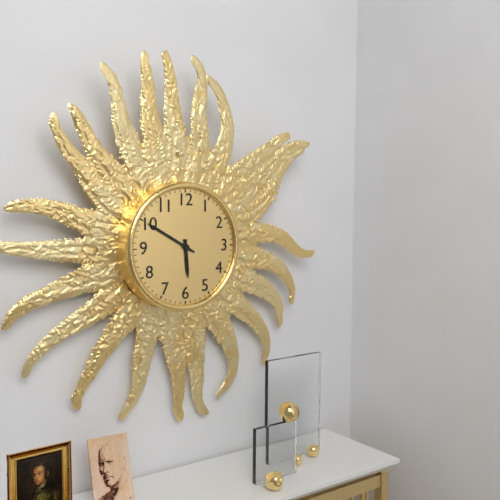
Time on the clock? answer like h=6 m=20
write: h=5 m=50
